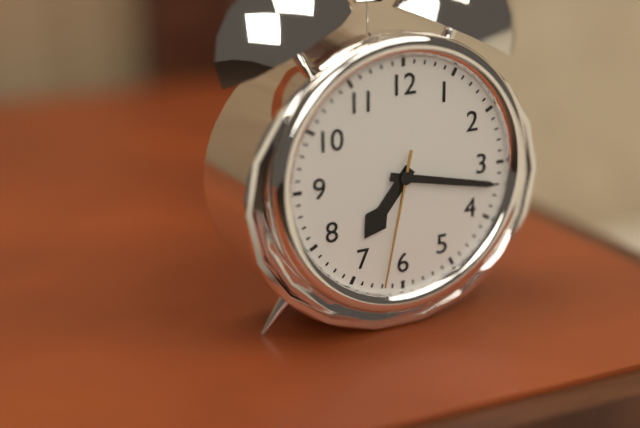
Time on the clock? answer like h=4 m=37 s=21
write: h=7 m=17 s=32
